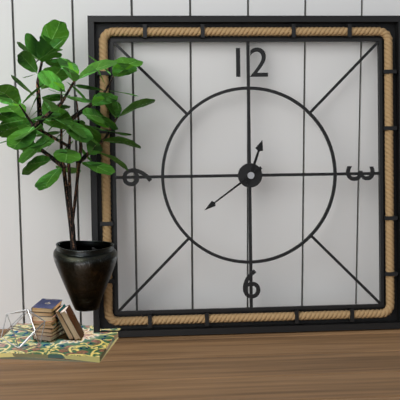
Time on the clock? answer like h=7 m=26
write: h=12 m=39
